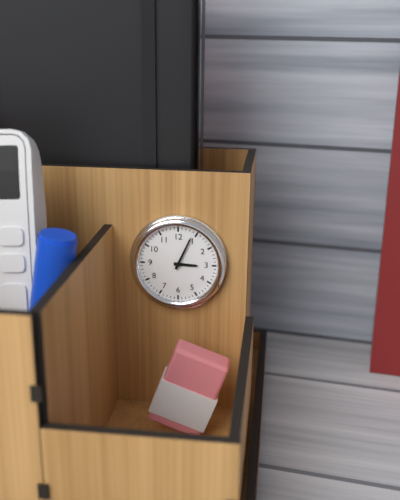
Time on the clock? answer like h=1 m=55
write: h=3 m=4
